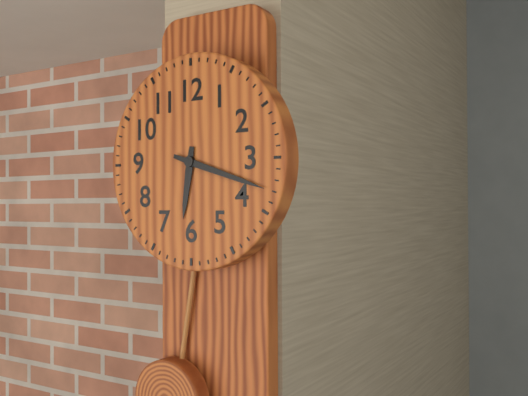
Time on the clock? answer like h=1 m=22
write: h=6 m=18
